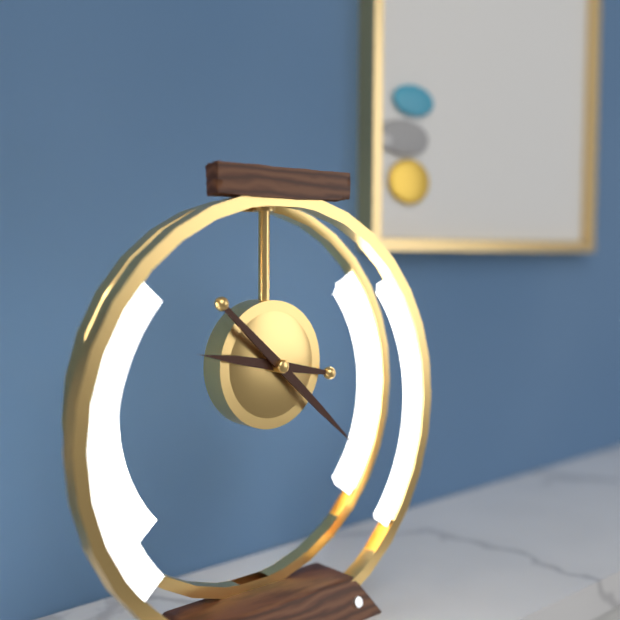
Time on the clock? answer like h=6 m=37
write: h=9 m=22
